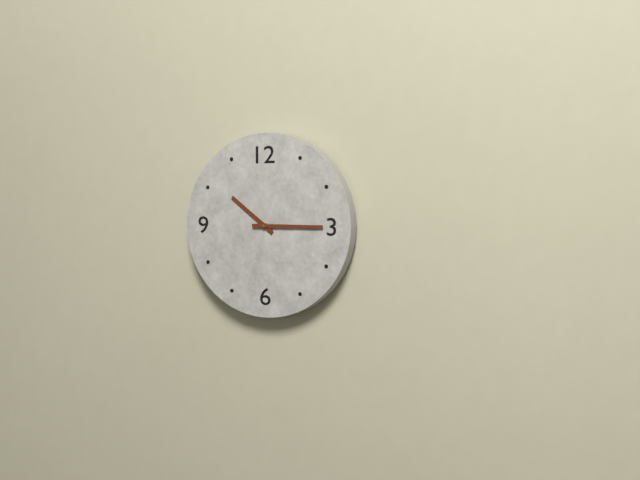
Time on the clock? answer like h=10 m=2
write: h=10 m=15
